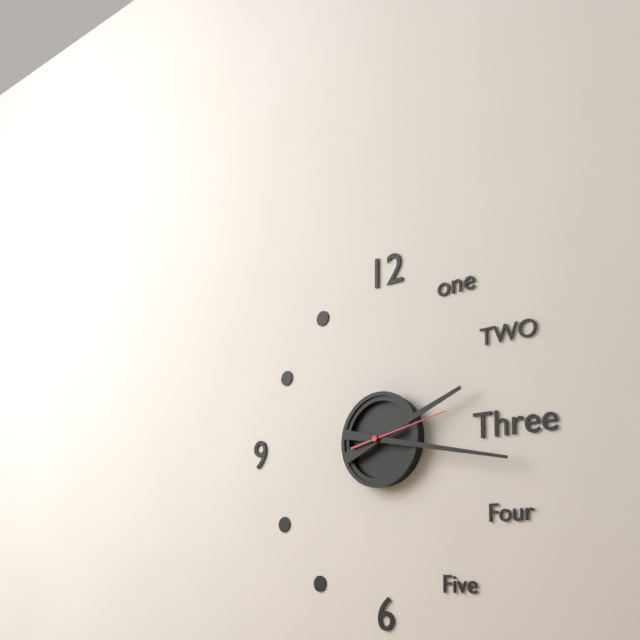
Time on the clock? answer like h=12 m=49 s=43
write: h=2 m=17 s=13
